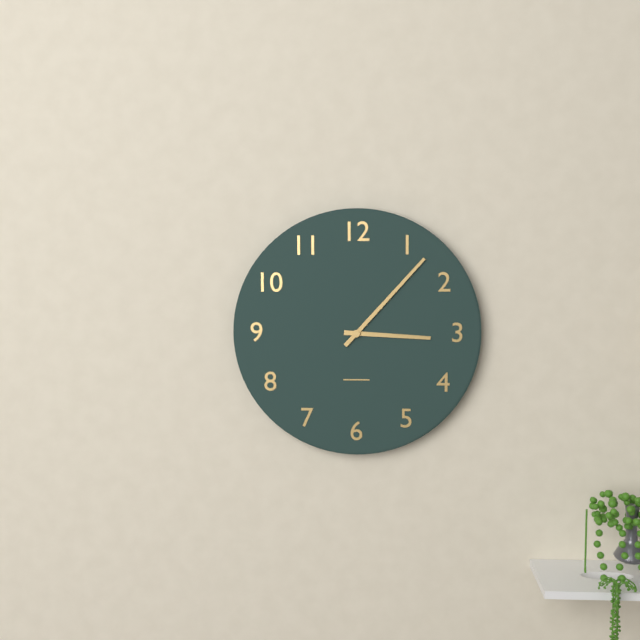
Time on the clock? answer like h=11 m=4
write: h=3 m=7
